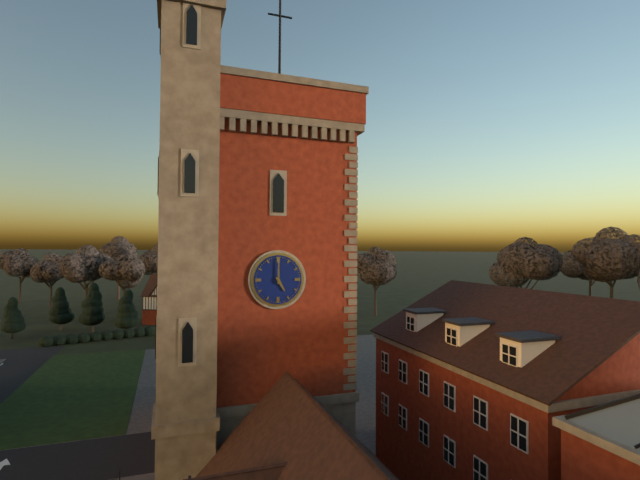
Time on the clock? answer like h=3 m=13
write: h=5 m=0
